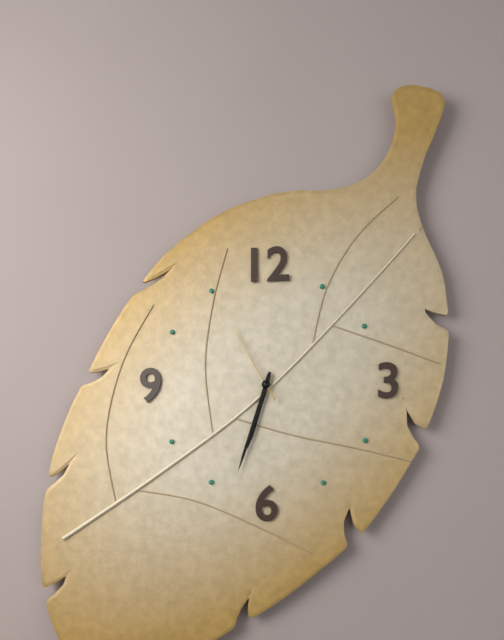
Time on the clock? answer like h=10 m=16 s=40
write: h=6 m=33 s=55
